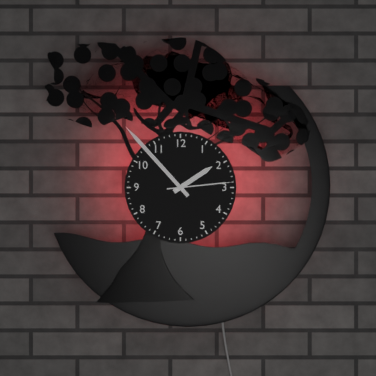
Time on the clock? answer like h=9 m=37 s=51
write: h=1 m=53 s=14
